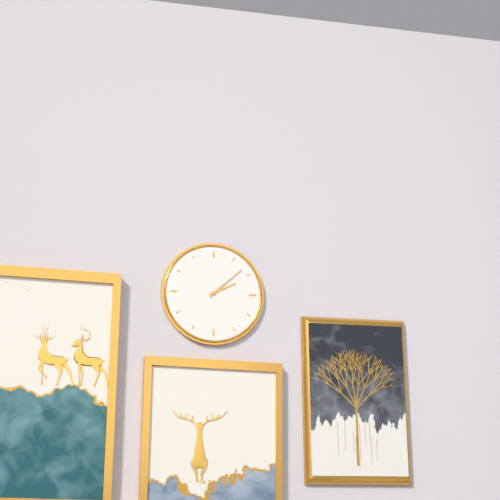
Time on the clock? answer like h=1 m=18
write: h=2 m=8
